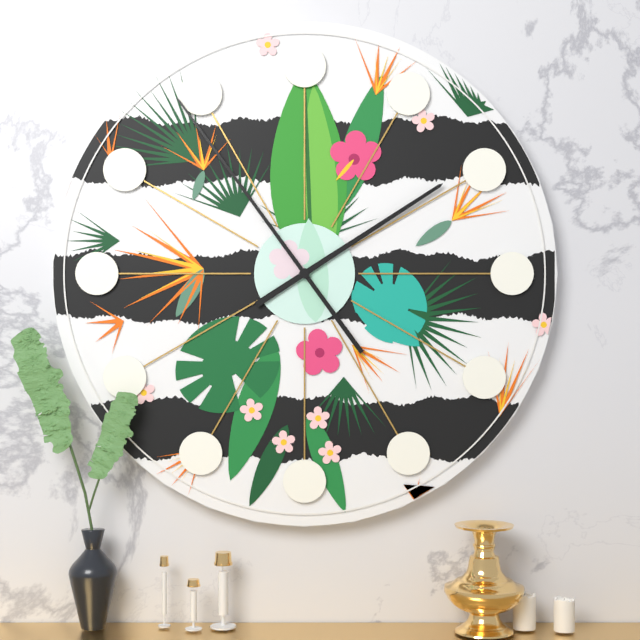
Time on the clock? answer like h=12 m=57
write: h=1 m=54
